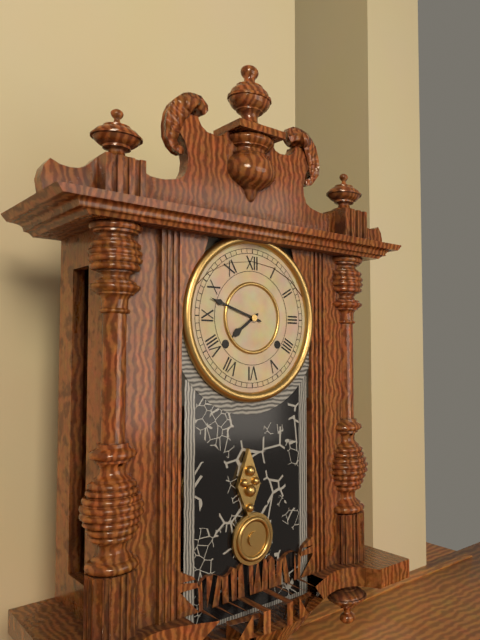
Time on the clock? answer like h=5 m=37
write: h=7 m=48
